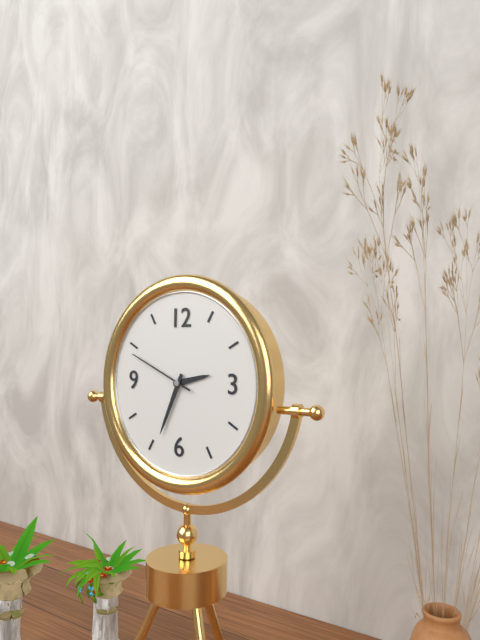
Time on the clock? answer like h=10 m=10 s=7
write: h=2 m=34 s=49
